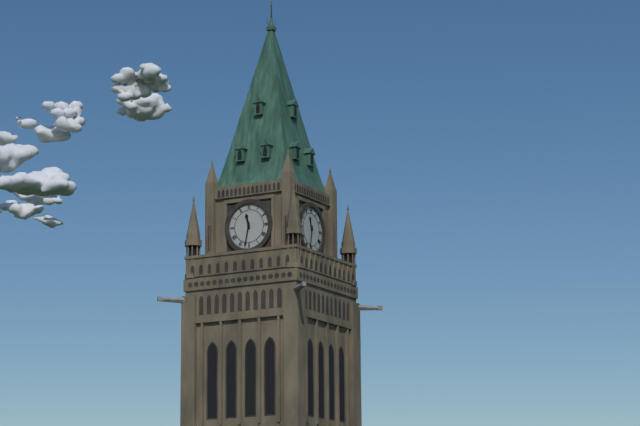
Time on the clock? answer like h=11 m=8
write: h=11 m=32
